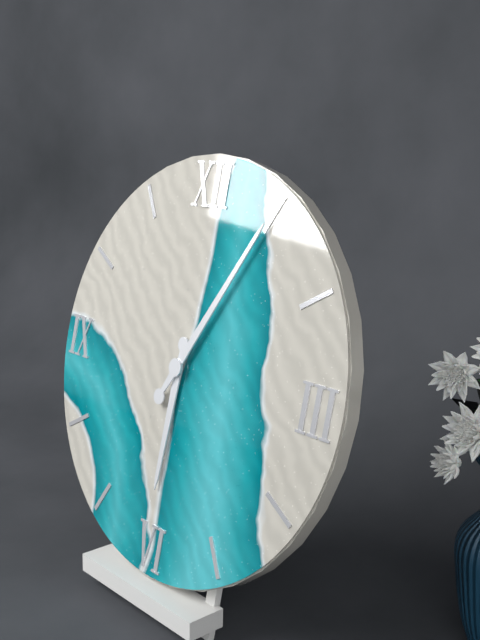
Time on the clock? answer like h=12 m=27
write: h=6 m=5
